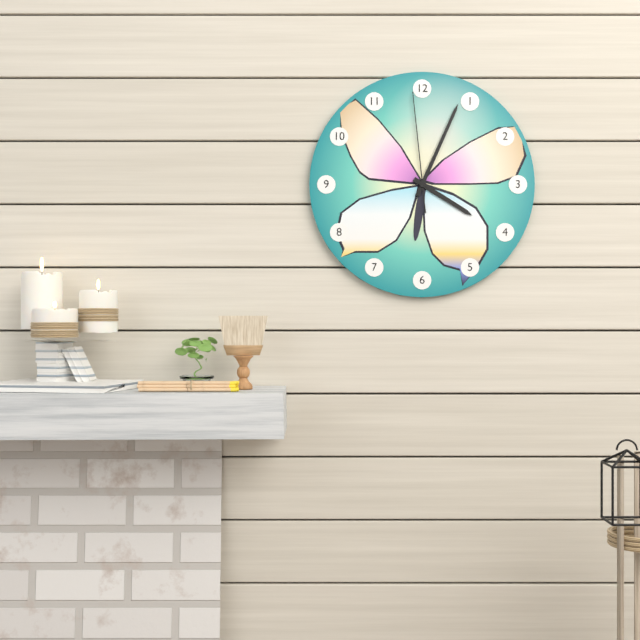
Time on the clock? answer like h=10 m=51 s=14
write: h=4 m=4 s=59
